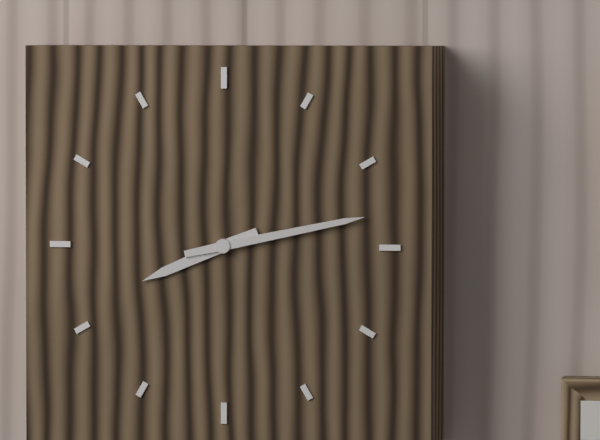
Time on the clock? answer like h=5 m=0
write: h=8 m=13
